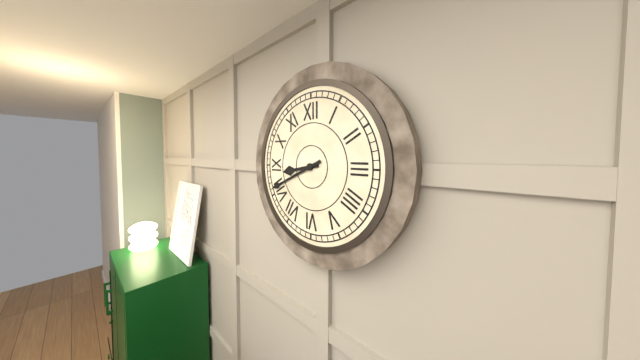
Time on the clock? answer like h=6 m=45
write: h=8 m=41
